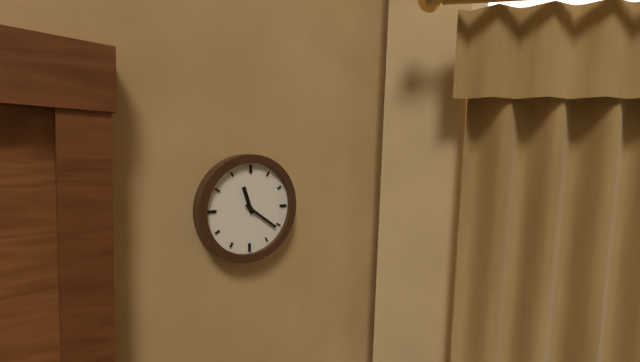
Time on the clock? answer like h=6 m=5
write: h=11 m=21
